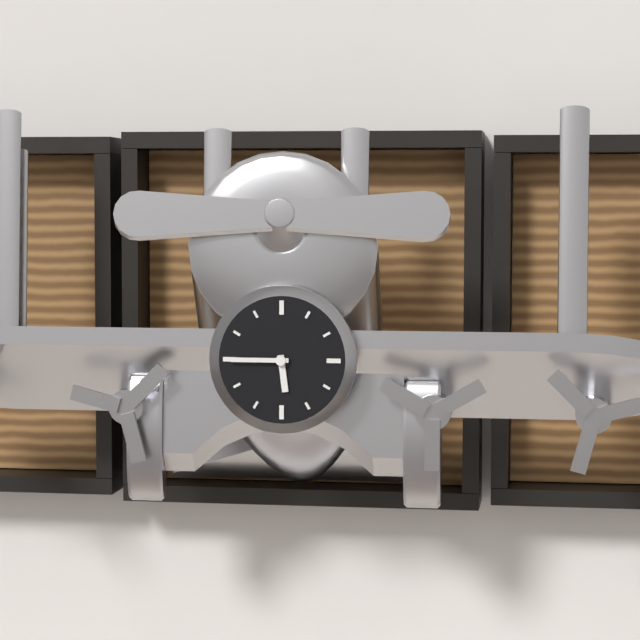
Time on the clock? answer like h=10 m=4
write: h=5 m=45
